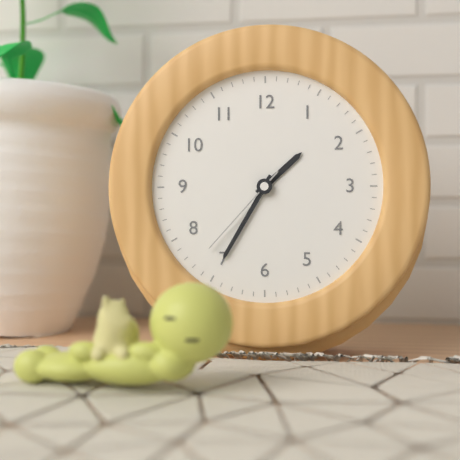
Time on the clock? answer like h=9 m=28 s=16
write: h=1 m=35 s=37
